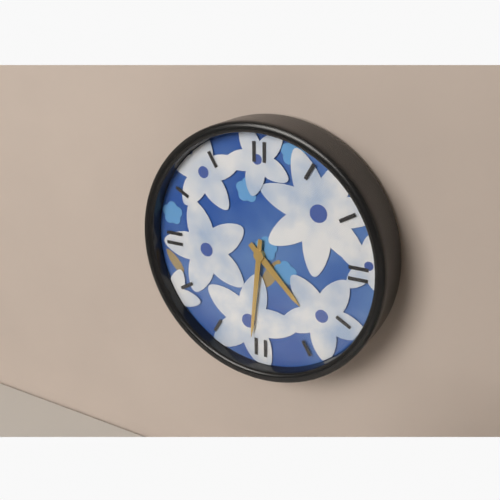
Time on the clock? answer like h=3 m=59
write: h=4 m=31
